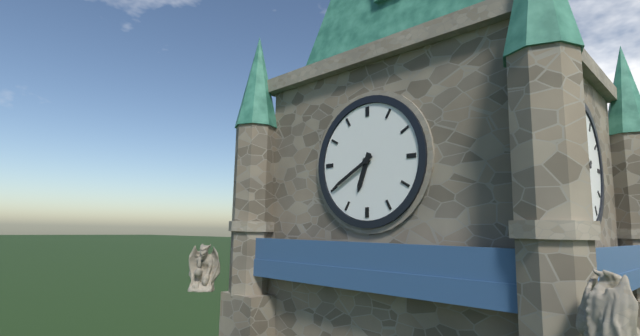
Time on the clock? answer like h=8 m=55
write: h=6 m=40
